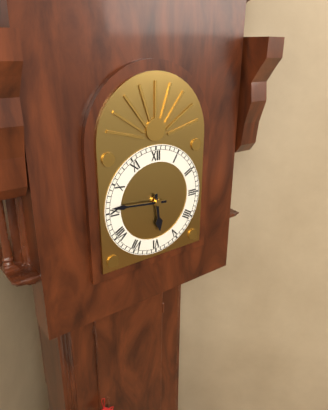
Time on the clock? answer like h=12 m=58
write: h=5 m=46
